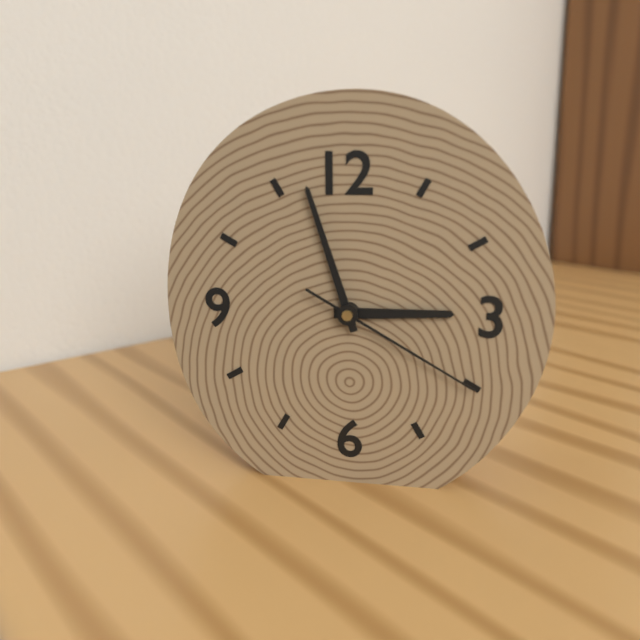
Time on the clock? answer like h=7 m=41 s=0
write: h=2 m=57 s=20
